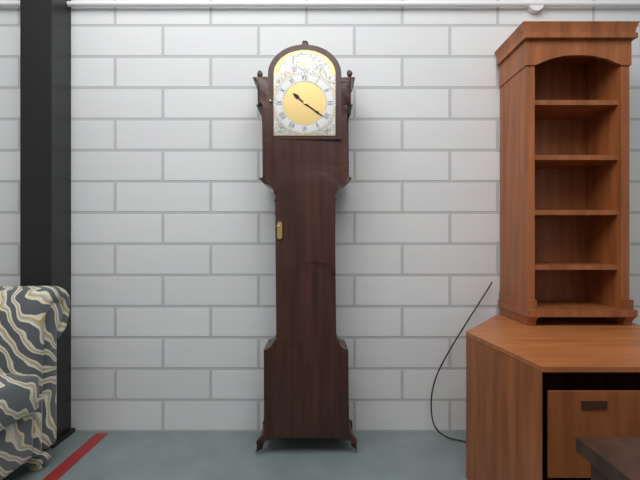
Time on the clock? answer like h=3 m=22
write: h=10 m=21
